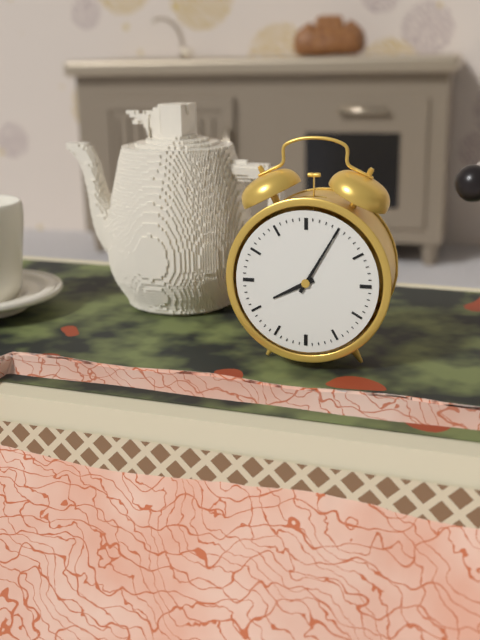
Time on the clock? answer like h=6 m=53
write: h=8 m=5
